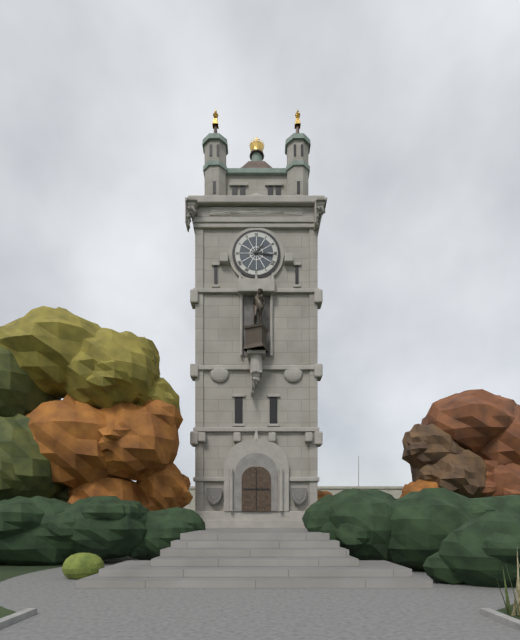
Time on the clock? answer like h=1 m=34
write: h=1 m=16
